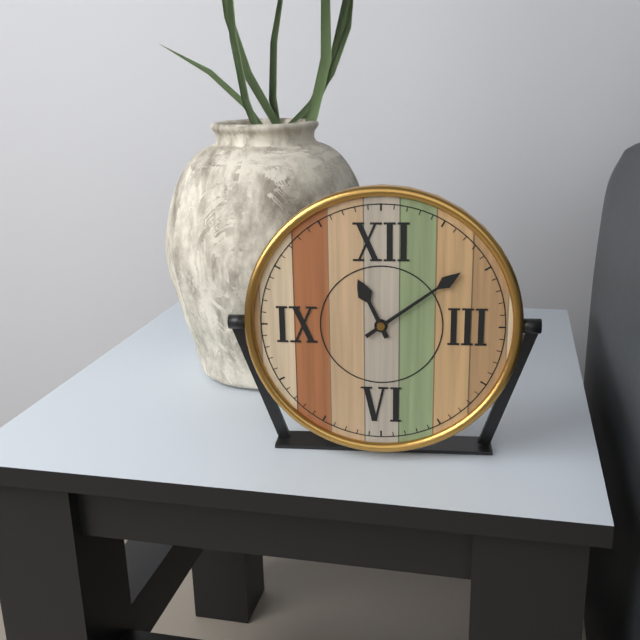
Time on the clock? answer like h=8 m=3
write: h=11 m=9
